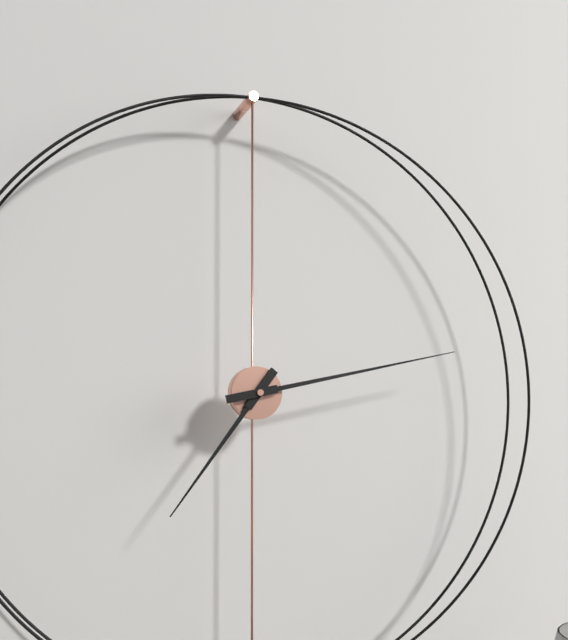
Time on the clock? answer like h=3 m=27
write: h=7 m=13
